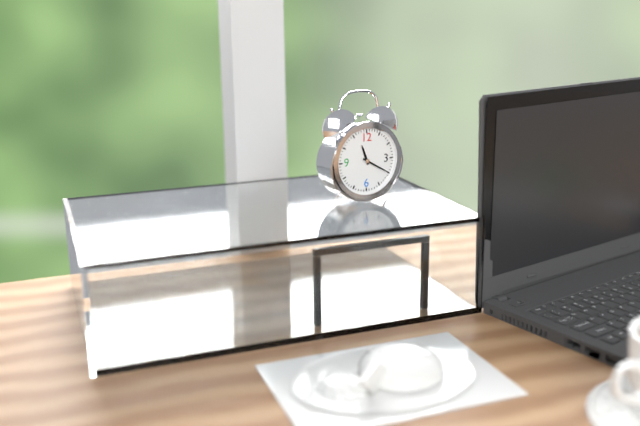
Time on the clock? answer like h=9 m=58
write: h=11 m=20
